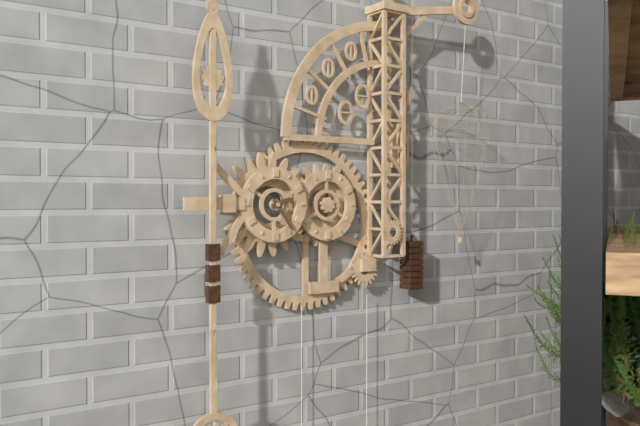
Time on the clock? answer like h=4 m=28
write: h=2 m=24
